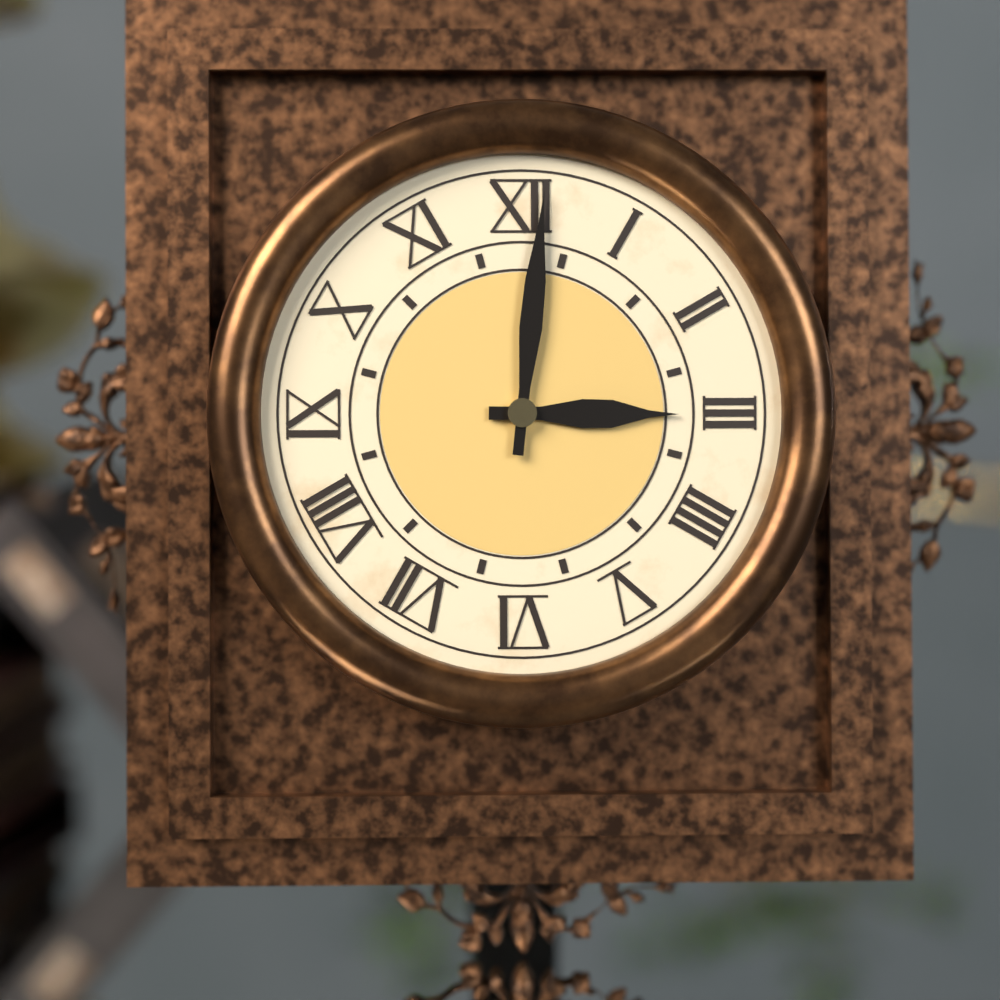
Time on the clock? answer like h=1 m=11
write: h=3 m=1
